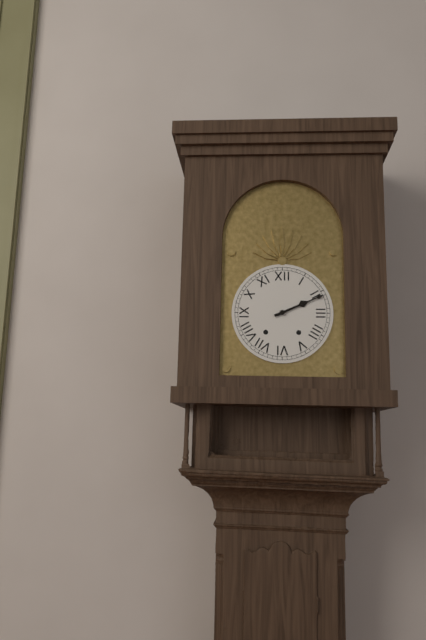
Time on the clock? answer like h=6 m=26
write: h=2 m=11
